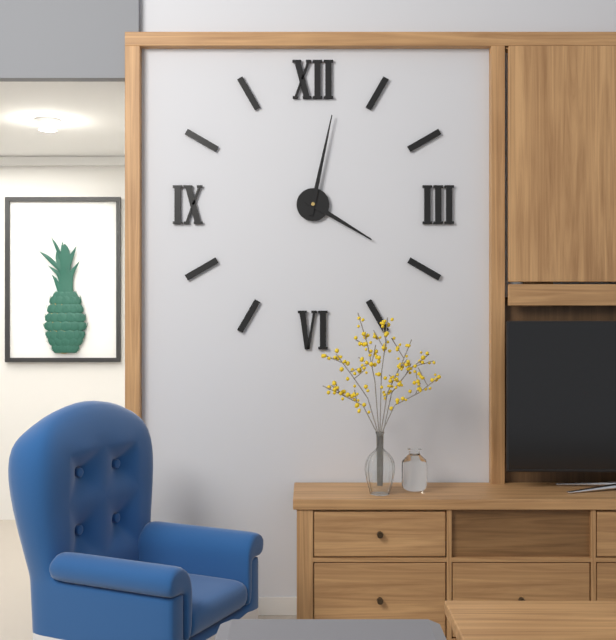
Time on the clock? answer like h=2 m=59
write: h=4 m=2
